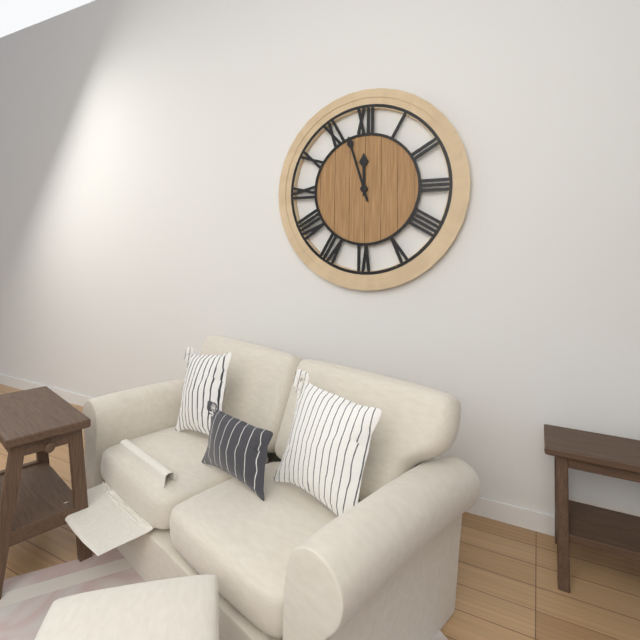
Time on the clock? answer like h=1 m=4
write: h=11 m=57
